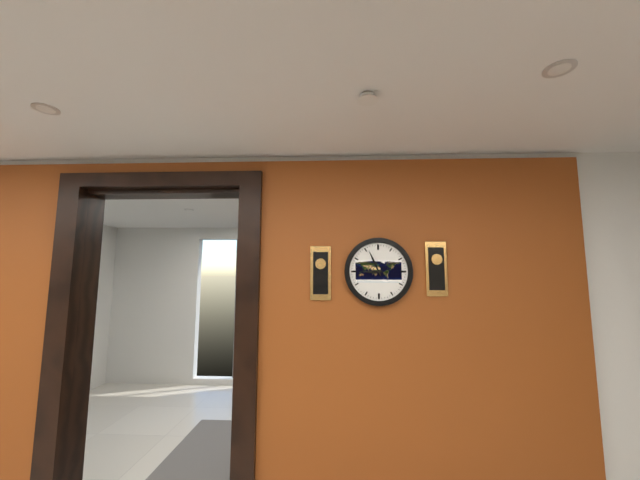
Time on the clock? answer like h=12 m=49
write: h=8 m=56
